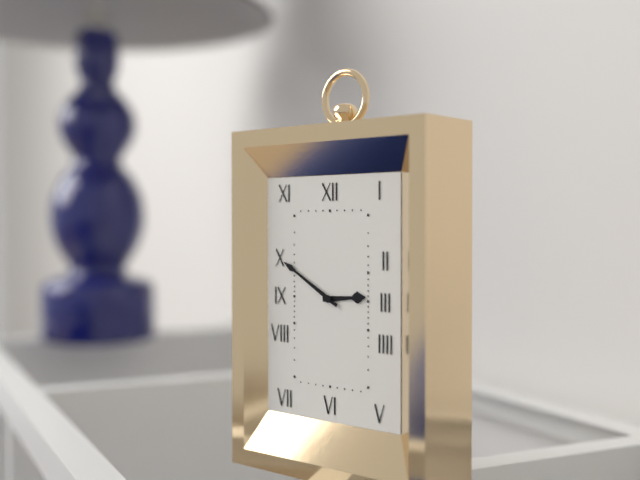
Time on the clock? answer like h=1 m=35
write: h=2 m=50
